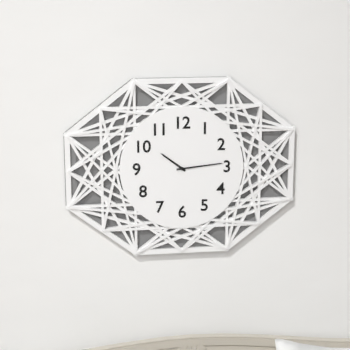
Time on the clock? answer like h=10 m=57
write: h=10 m=14
